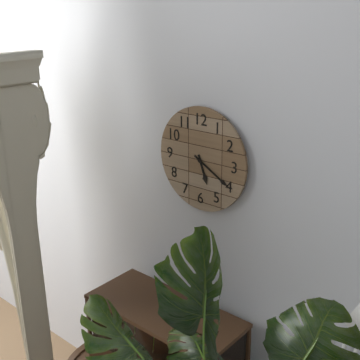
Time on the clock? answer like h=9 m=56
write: h=5 m=20
